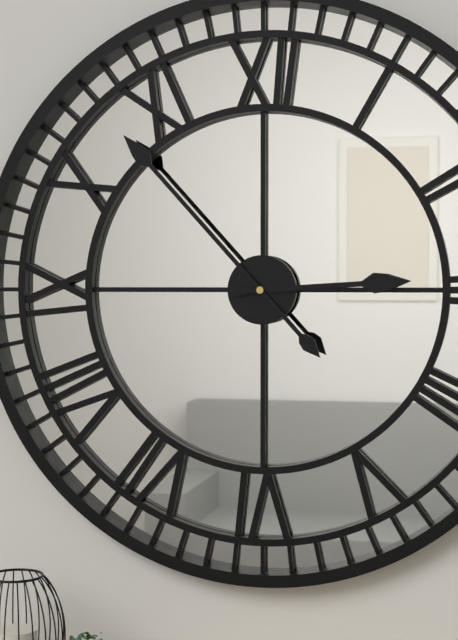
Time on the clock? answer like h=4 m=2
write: h=2 m=53
